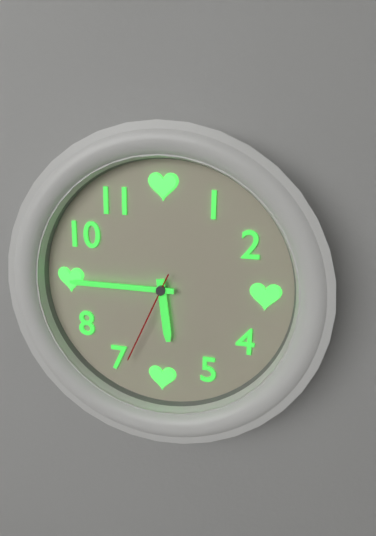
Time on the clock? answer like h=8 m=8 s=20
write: h=5 m=45 s=34
